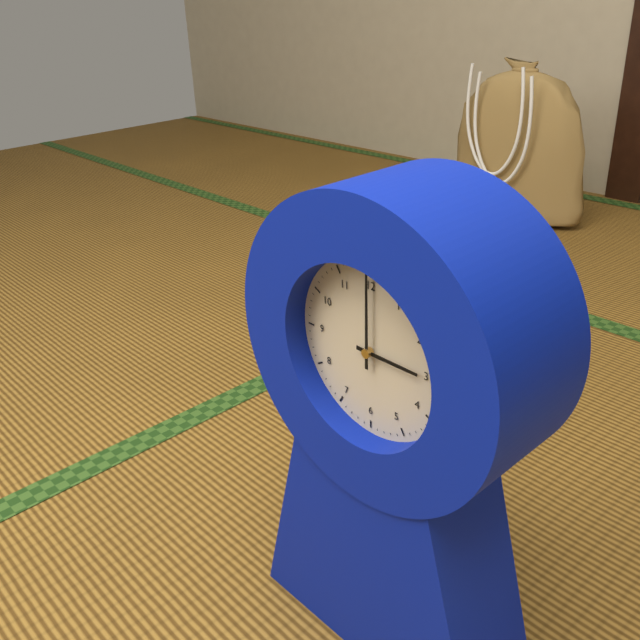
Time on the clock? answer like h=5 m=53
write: h=3 m=0
